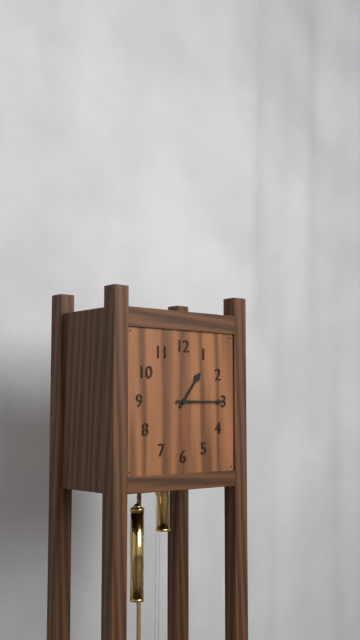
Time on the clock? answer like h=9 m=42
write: h=1 m=15
